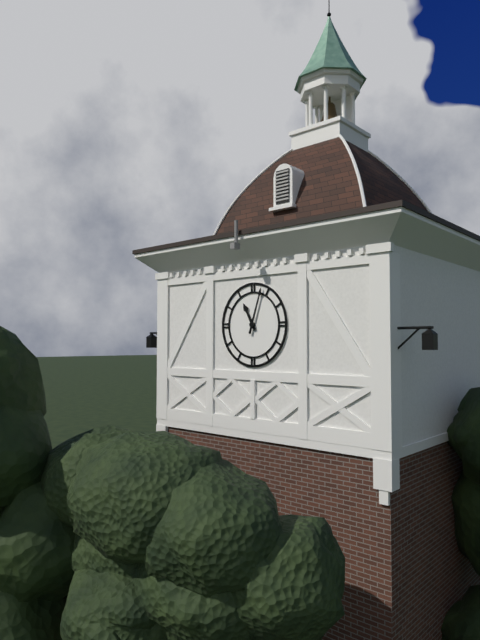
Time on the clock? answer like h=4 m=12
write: h=11 m=3
